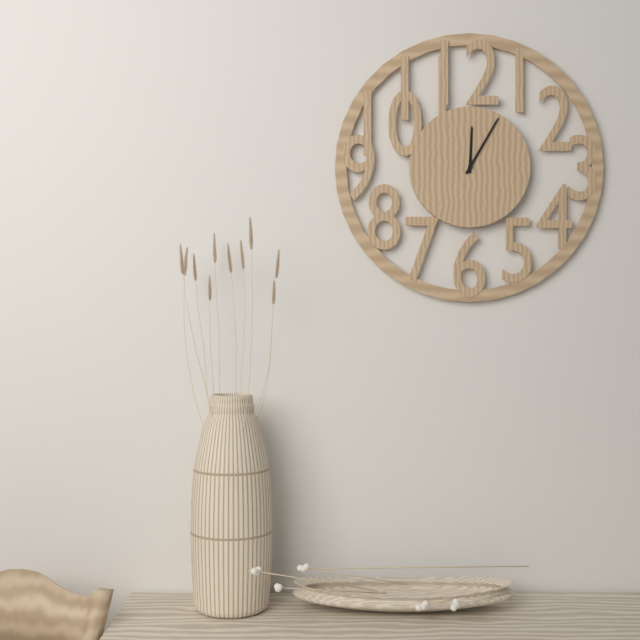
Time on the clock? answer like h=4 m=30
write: h=12 m=5
